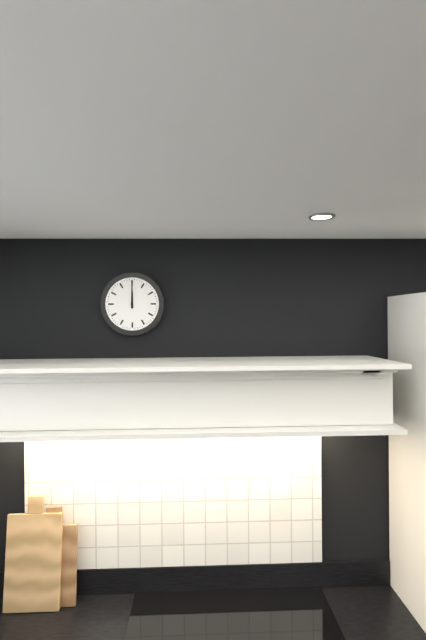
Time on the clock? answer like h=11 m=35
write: h=12 m=0
